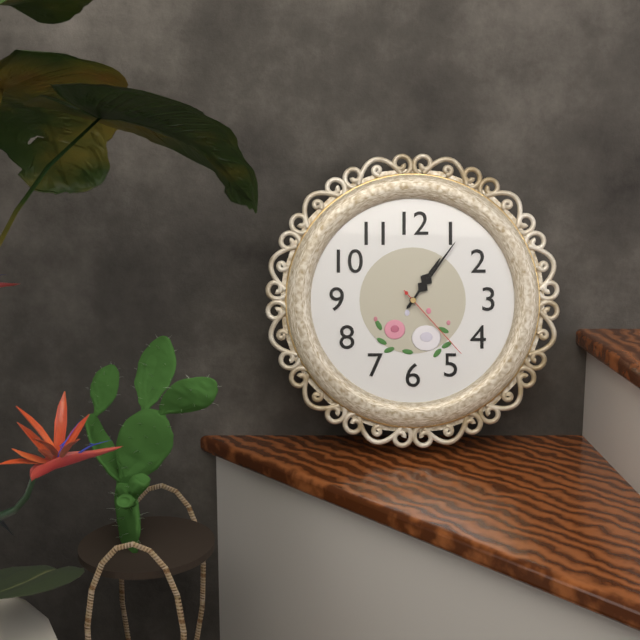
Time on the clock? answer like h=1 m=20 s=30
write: h=1 m=6 s=23
